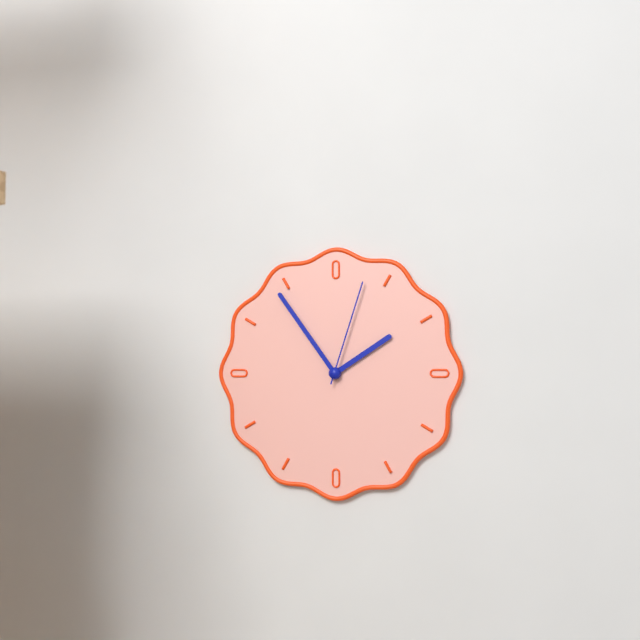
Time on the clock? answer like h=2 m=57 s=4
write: h=1 m=54 s=3
